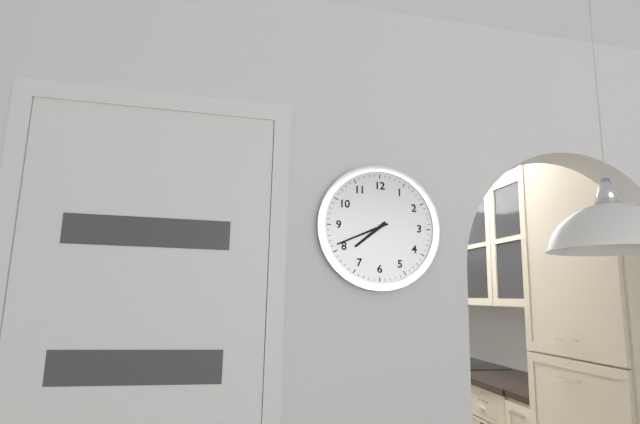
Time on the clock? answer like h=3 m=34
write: h=7 m=41
